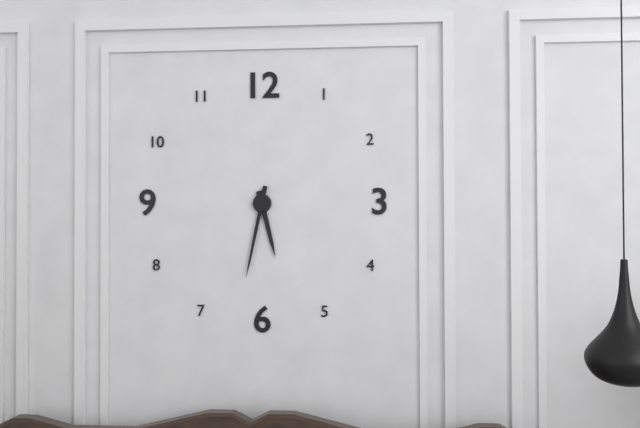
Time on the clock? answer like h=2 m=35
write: h=5 m=32
